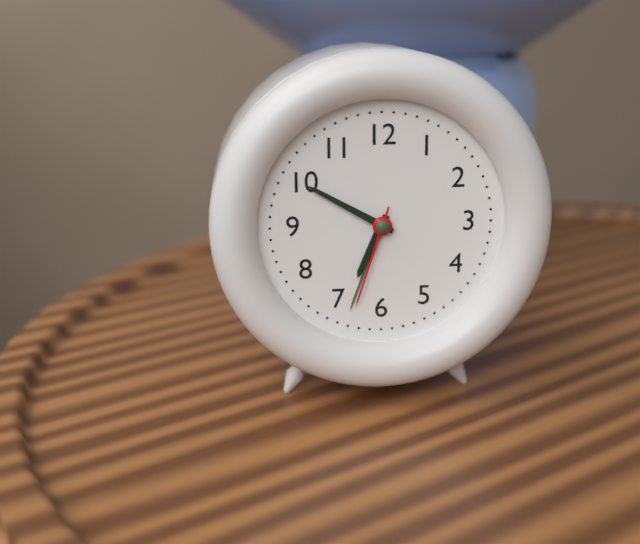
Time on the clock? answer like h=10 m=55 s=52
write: h=6 m=50 s=33
